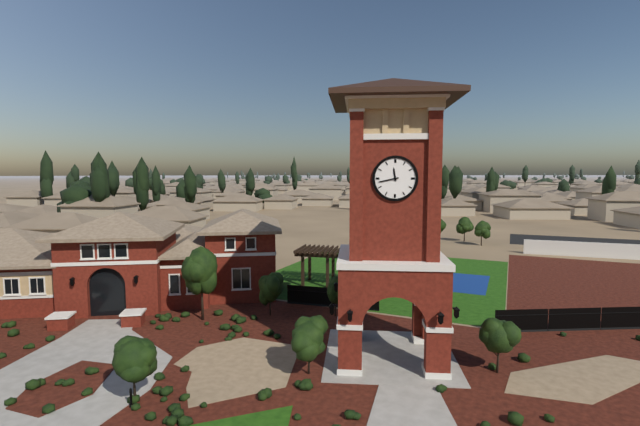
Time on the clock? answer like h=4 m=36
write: h=11 m=43
